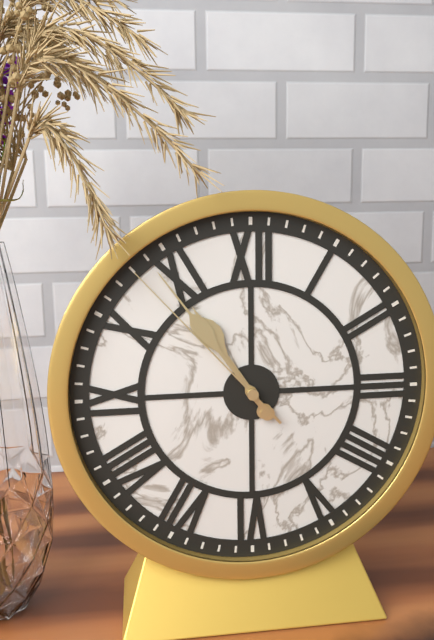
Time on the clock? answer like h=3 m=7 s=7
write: h=10 m=54 s=53
